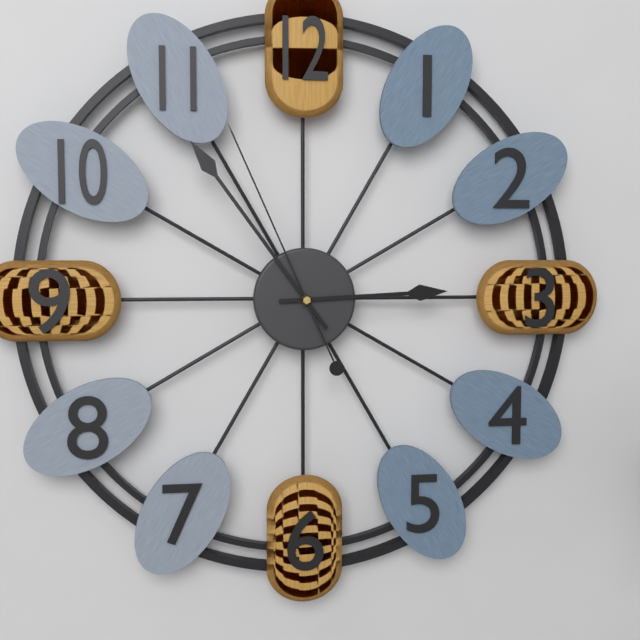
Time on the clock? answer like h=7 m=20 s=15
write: h=2 m=54 s=56
